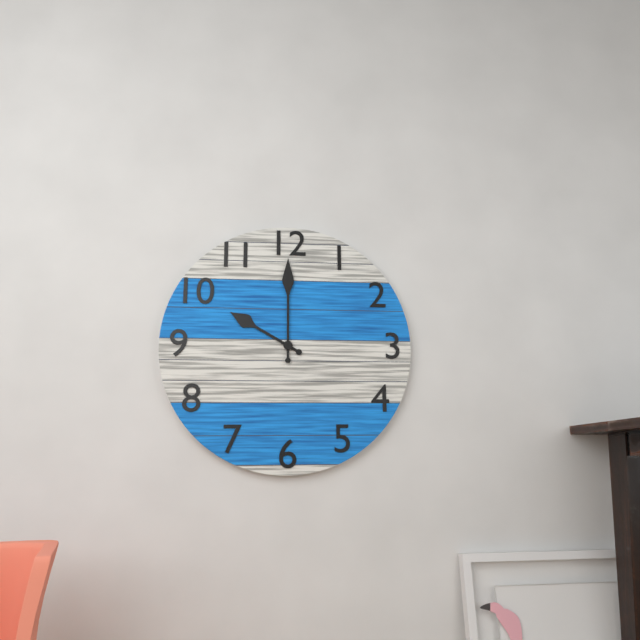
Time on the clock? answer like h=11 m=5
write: h=10 m=0
